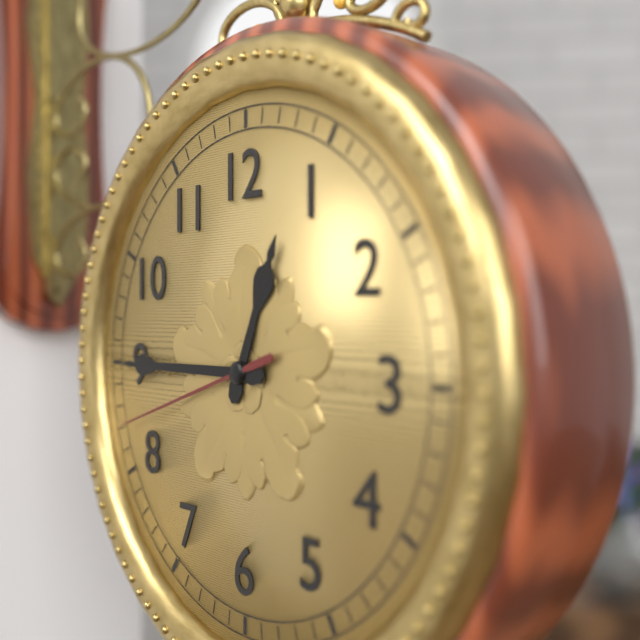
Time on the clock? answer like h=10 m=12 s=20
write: h=12 m=45 s=42
